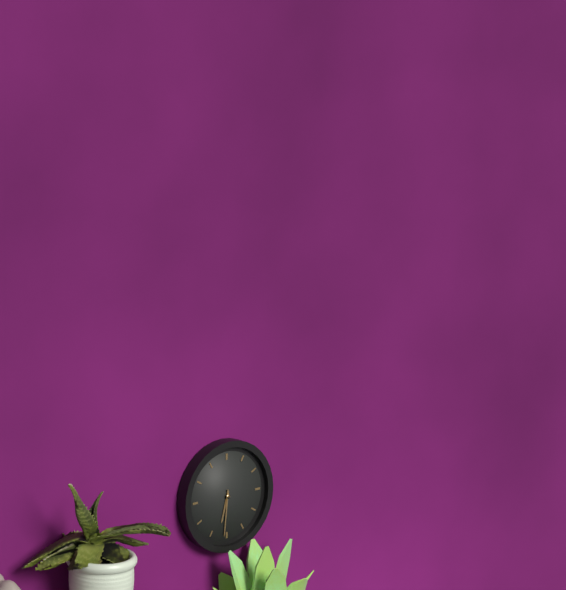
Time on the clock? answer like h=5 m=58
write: h=6 m=31
